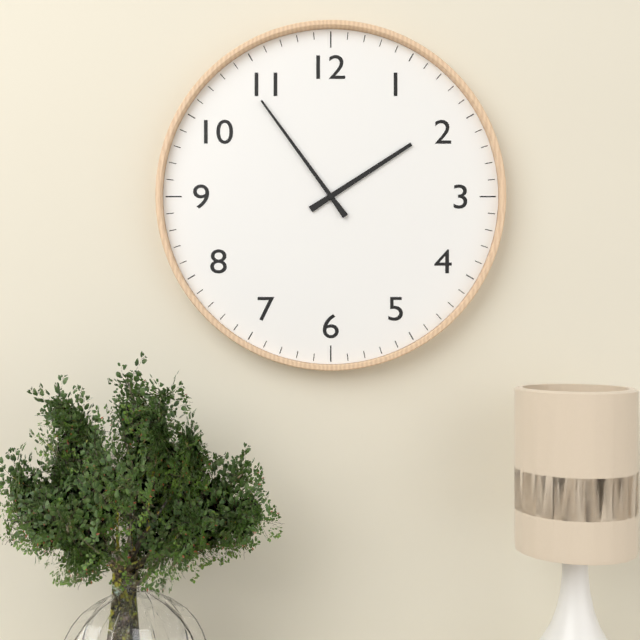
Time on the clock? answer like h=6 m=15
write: h=1 m=54
